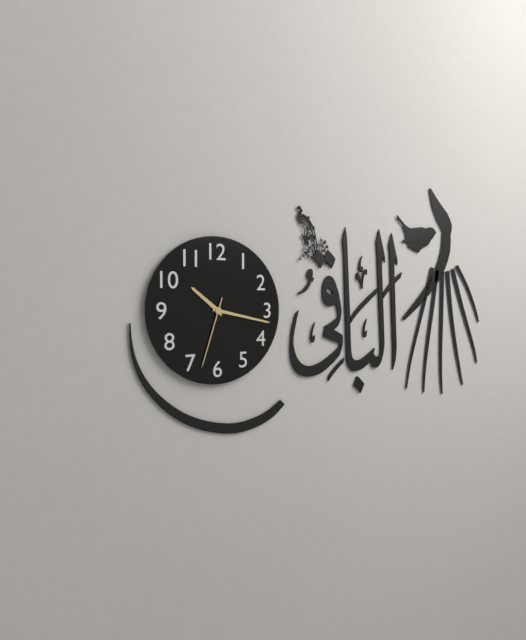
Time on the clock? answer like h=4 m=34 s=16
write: h=10 m=17 s=33
